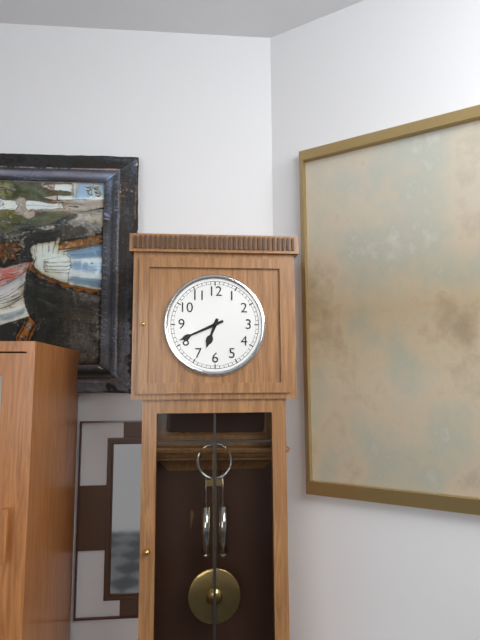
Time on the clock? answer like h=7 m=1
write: h=6 m=41
